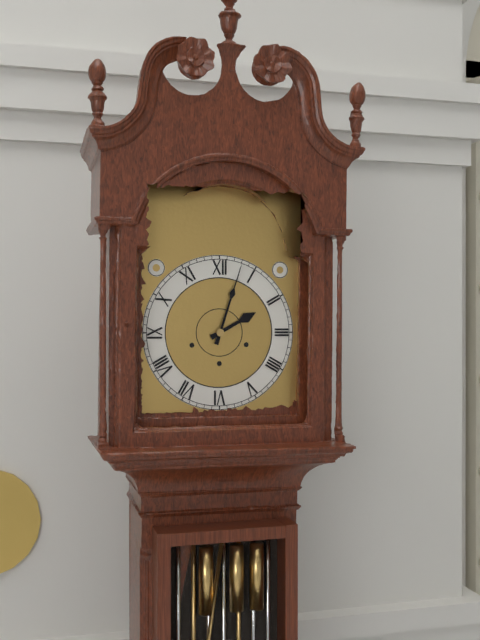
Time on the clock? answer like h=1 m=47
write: h=2 m=3
